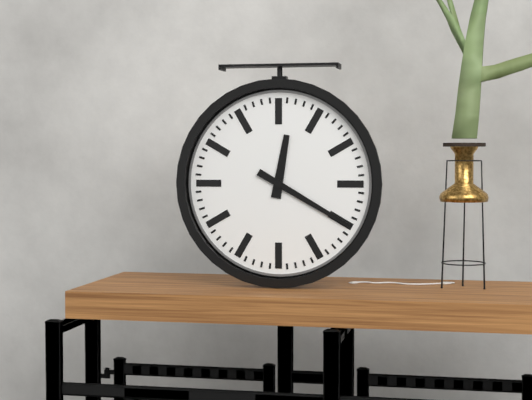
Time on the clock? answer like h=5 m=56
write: h=12 m=20
